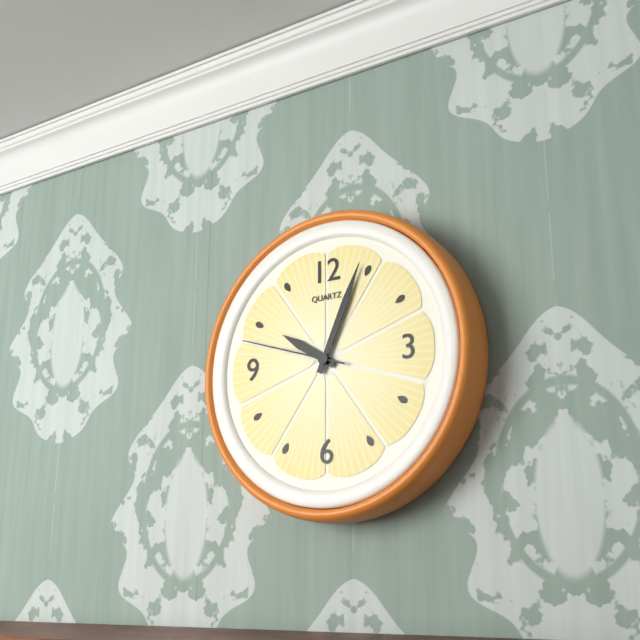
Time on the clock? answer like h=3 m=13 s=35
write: h=10 m=4 s=48
